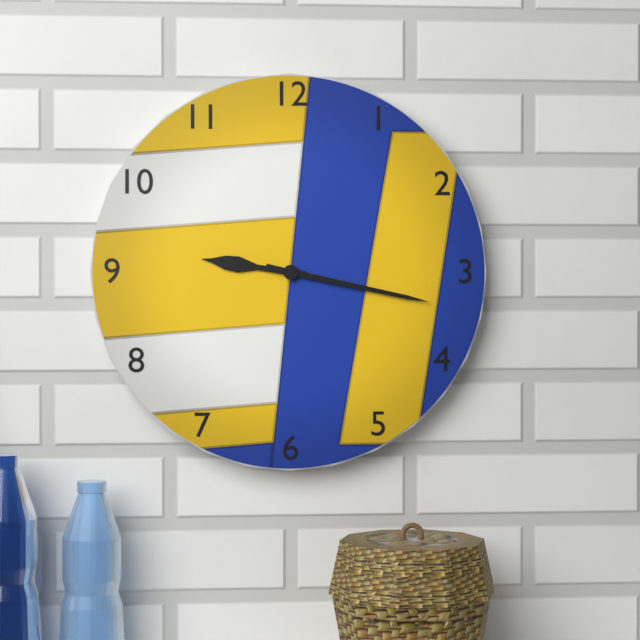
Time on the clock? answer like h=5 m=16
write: h=9 m=17
